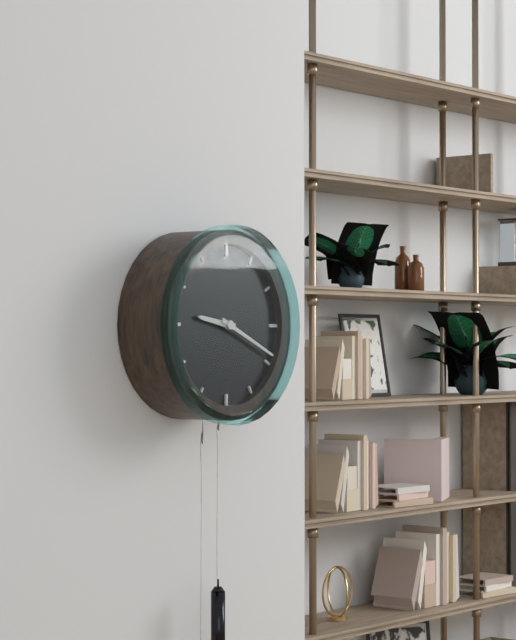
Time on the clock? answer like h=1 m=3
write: h=9 m=19
